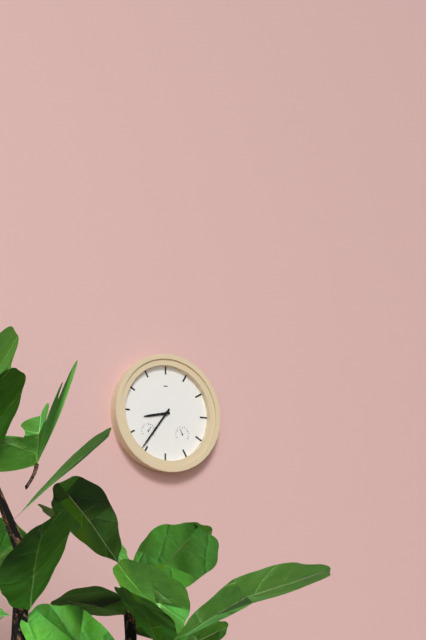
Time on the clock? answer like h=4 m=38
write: h=8 m=36
